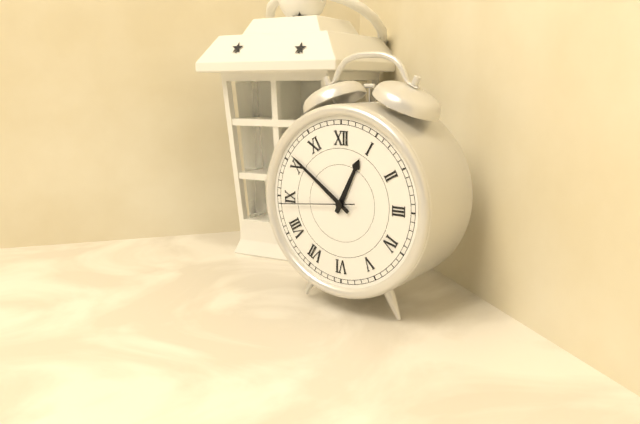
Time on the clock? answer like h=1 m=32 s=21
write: h=12 m=51 s=44
